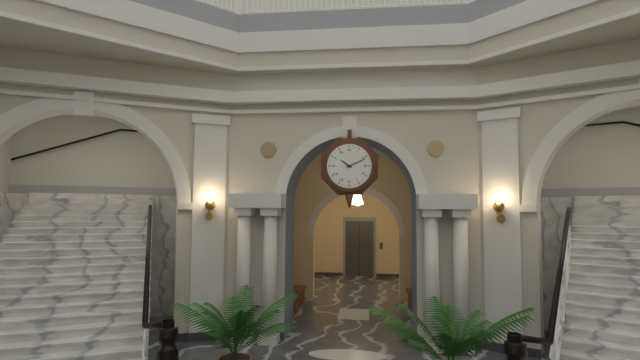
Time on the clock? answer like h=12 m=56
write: h=10 m=11
